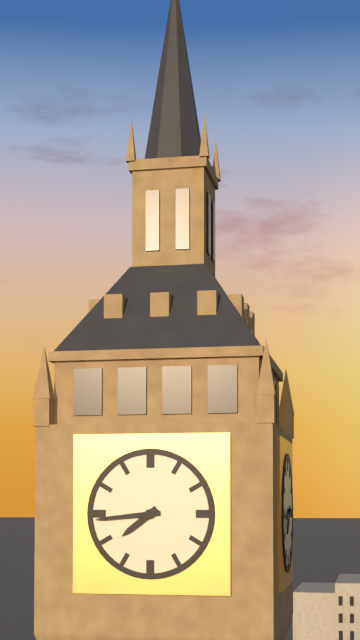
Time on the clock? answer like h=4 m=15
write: h=7 m=44
